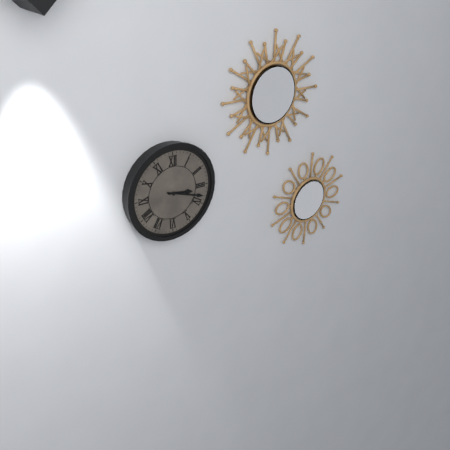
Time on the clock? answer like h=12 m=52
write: h=3 m=18
